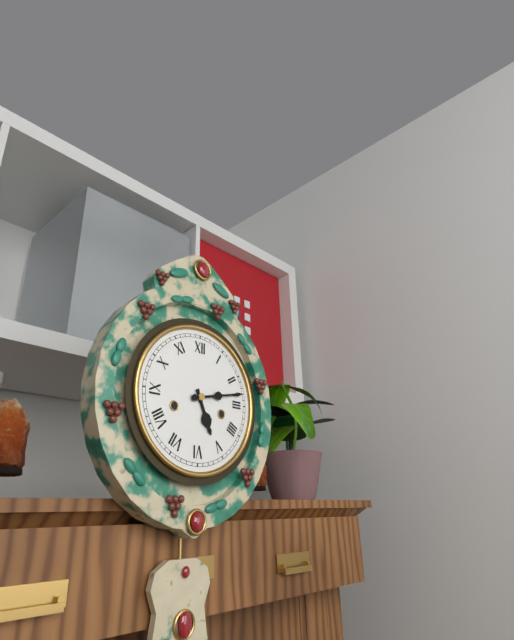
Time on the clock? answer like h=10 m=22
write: h=5 m=13
